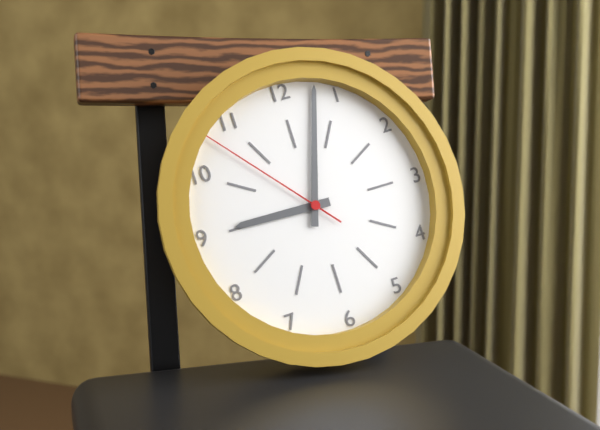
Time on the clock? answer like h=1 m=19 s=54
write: h=9 m=3 s=53
